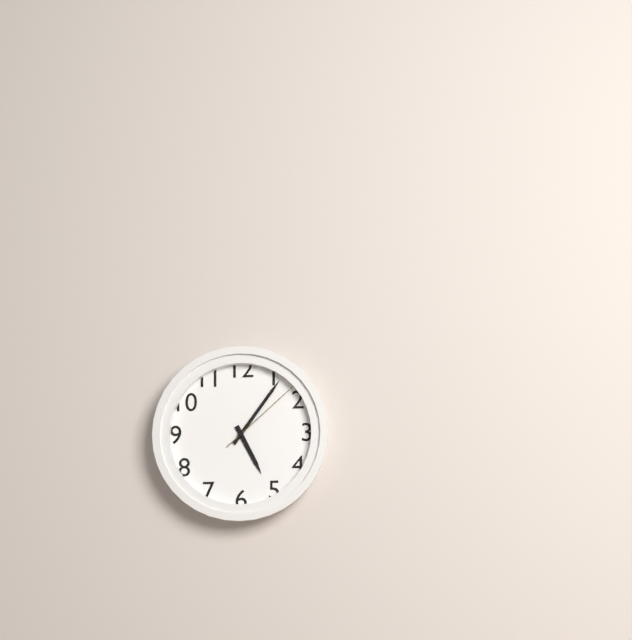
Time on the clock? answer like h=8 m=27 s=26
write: h=5 m=6 s=8
